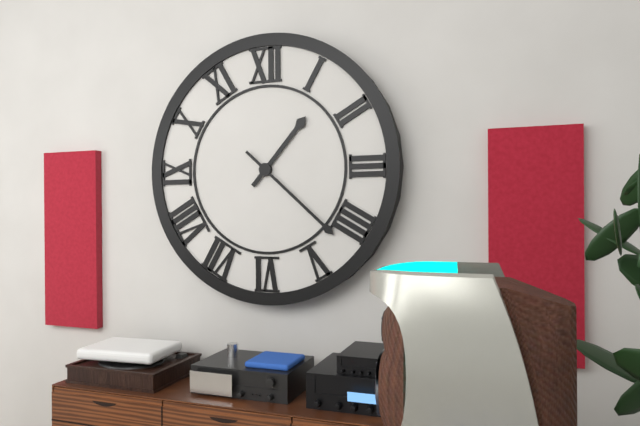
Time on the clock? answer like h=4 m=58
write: h=1 m=22
